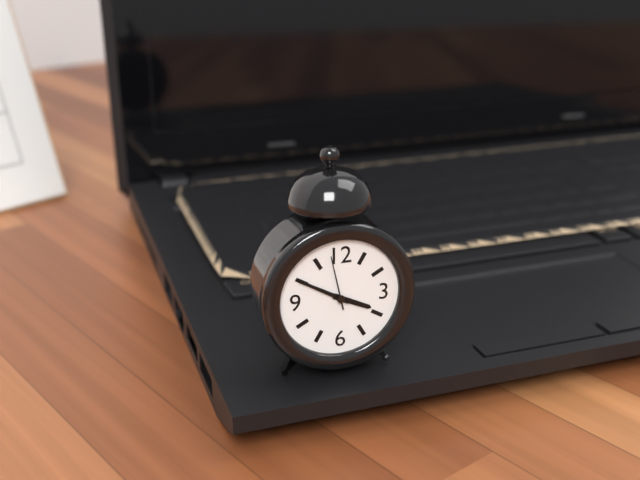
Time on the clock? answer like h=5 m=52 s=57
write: h=3 m=50 s=58
